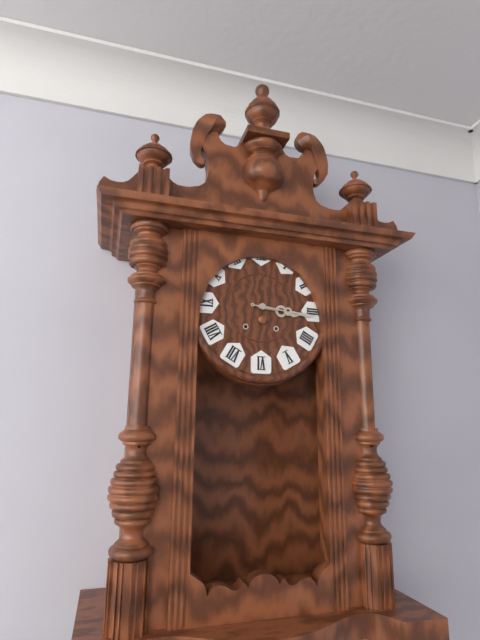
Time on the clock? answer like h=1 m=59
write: h=3 m=16
